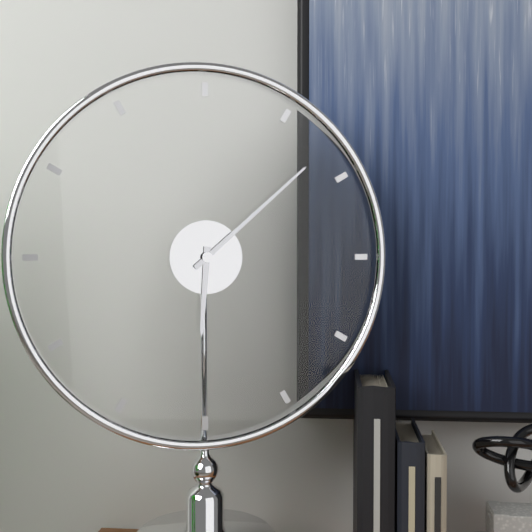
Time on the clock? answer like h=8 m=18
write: h=6 m=8
